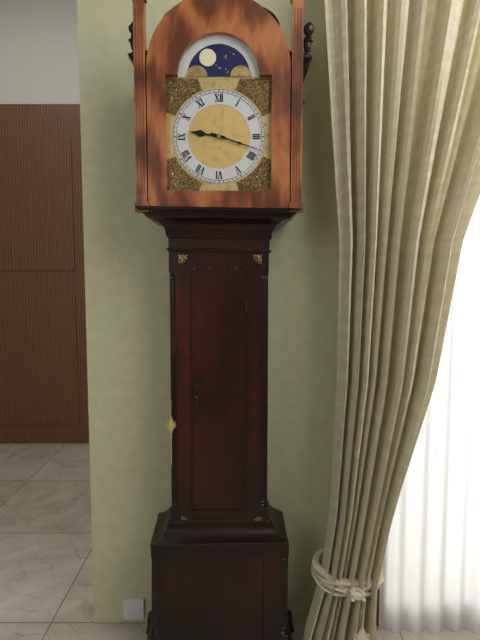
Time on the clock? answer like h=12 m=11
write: h=9 m=18
